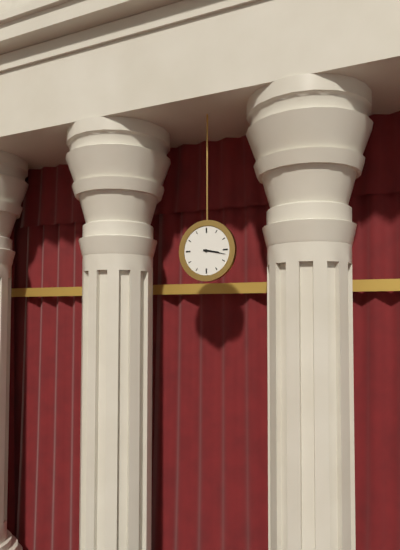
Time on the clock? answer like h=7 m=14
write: h=3 m=17
